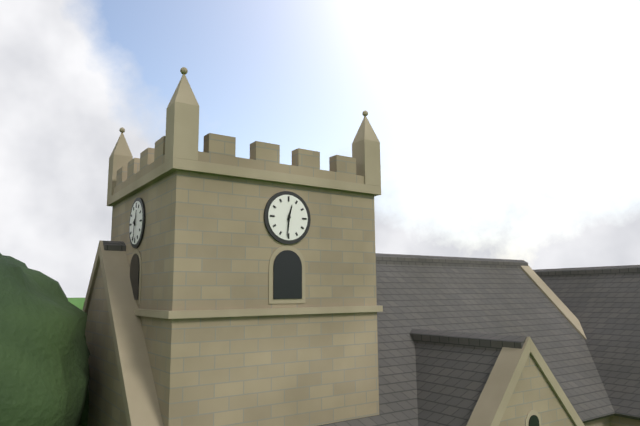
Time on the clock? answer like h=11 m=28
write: h=12 m=31
